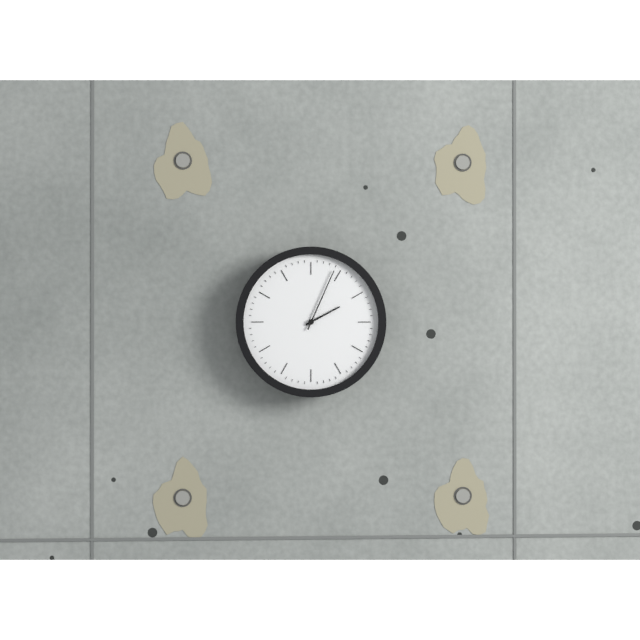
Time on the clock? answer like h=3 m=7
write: h=2 m=4
